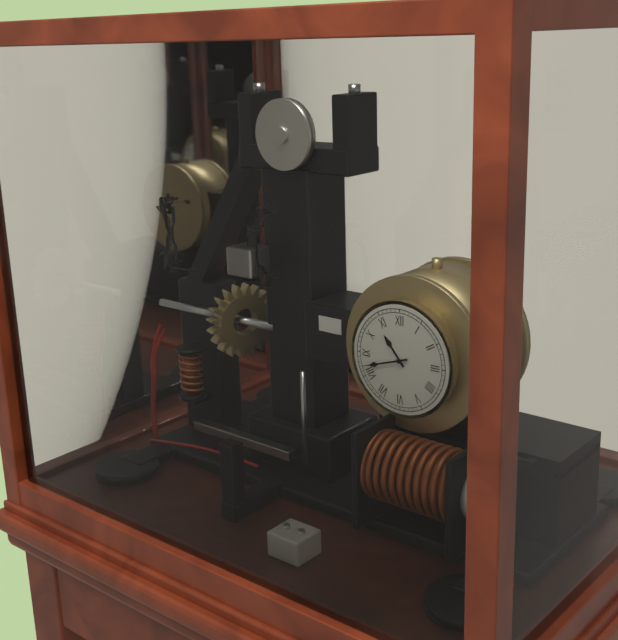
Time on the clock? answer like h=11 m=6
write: h=10 m=42
